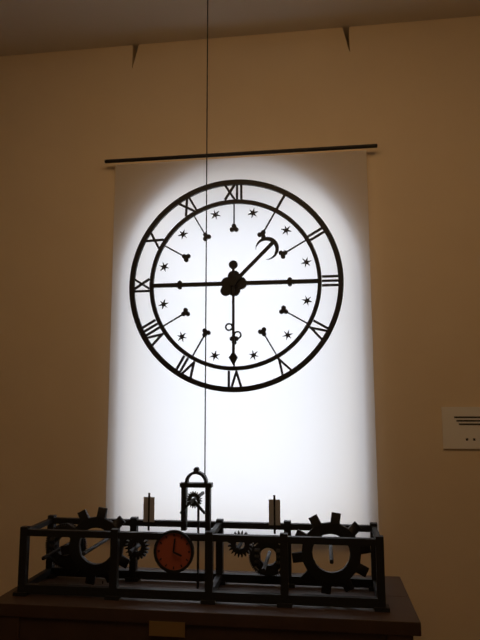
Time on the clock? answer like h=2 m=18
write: h=1 m=30
